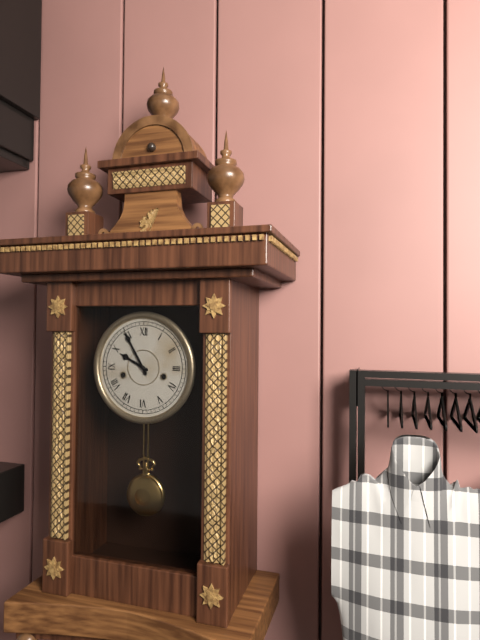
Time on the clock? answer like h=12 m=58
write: h=9 m=55
